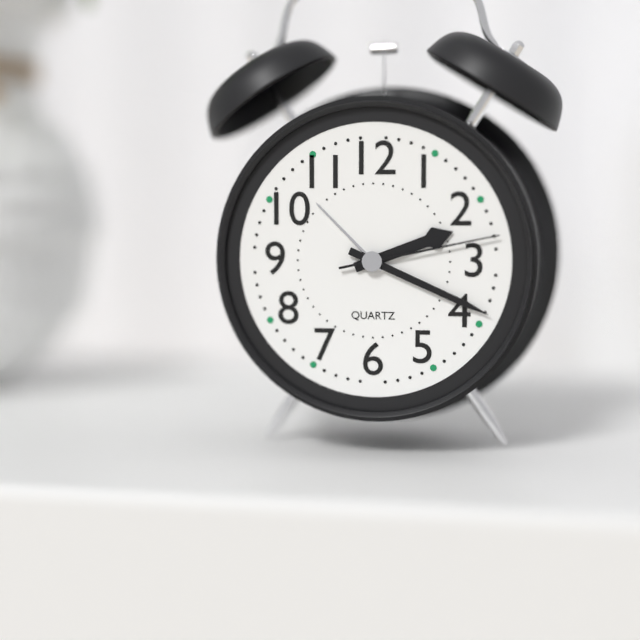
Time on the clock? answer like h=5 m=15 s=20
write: h=2 m=19 s=13
